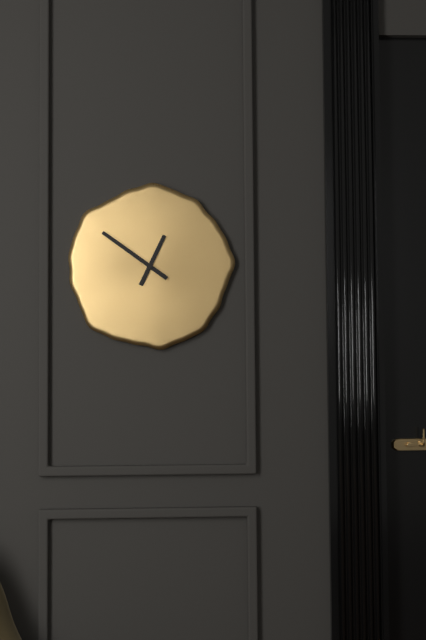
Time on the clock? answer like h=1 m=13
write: h=12 m=51
